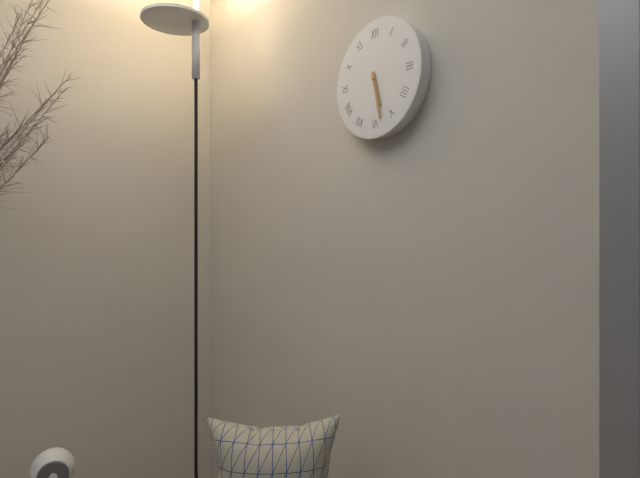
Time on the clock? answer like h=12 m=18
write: h=5 m=28
